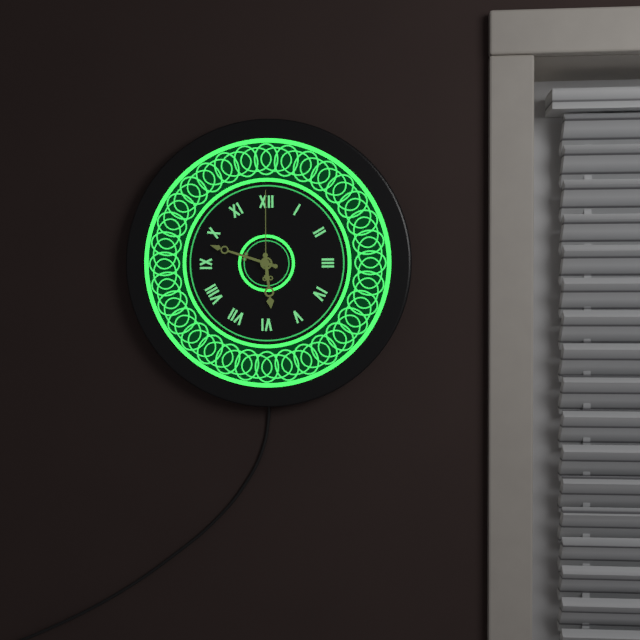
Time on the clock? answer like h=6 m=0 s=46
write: h=5 m=48 s=0
